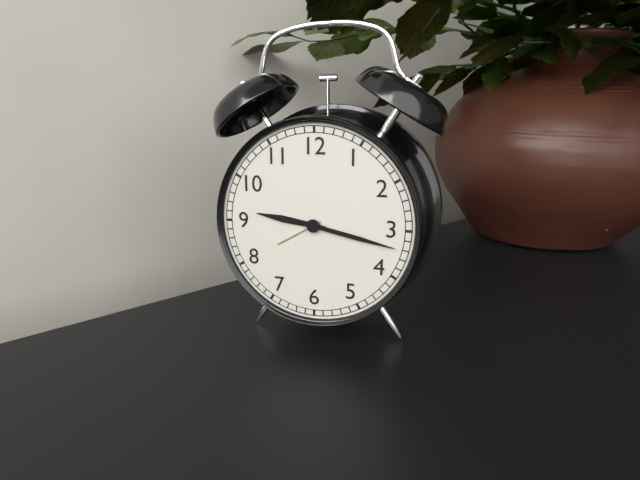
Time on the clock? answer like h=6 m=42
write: h=9 m=17
